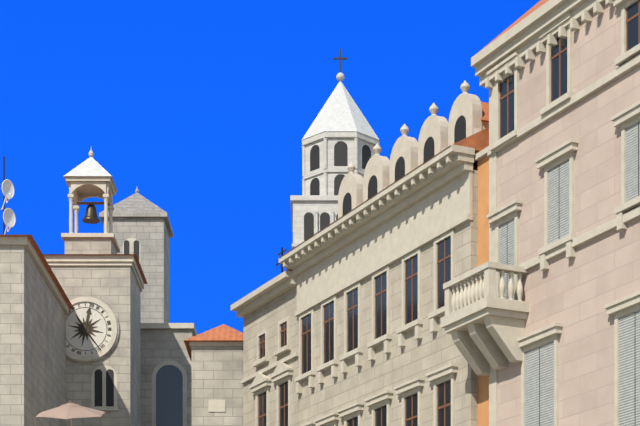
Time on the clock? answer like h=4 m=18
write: h=12 m=24
